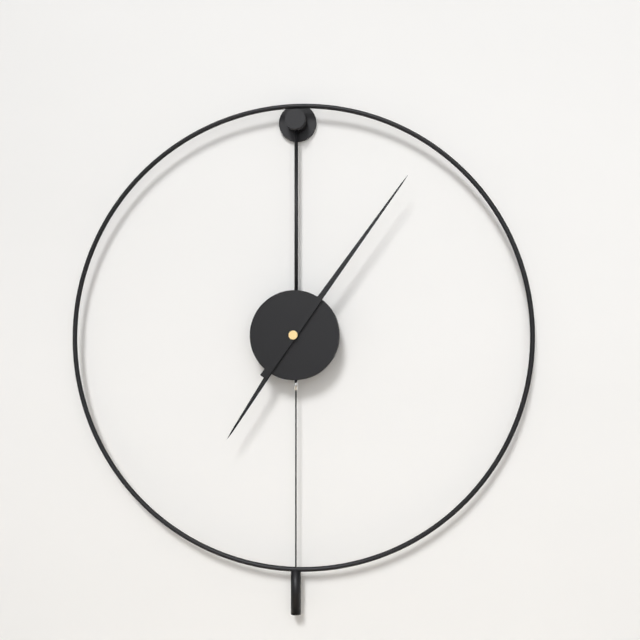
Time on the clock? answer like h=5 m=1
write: h=7 m=6
